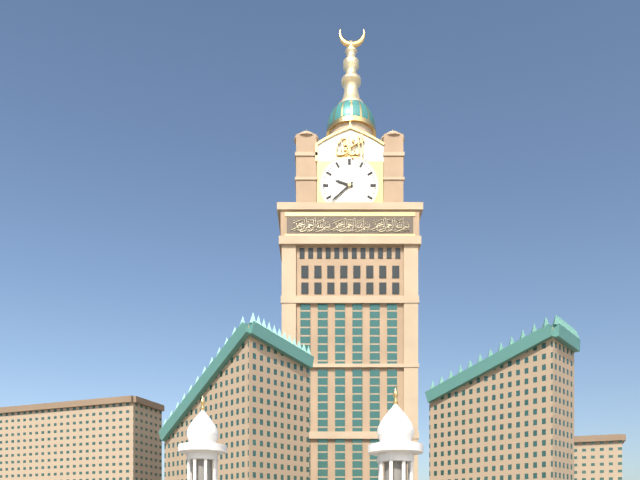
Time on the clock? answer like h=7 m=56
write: h=9 m=38
